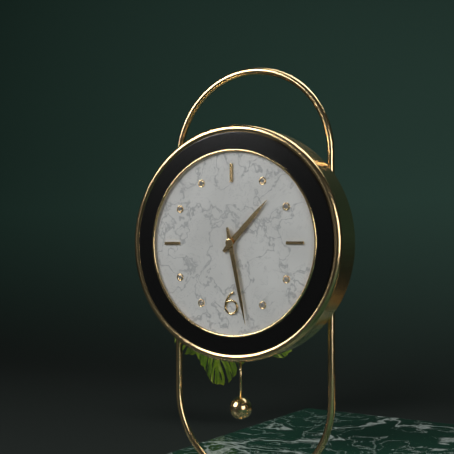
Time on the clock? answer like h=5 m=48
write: h=1 m=28
